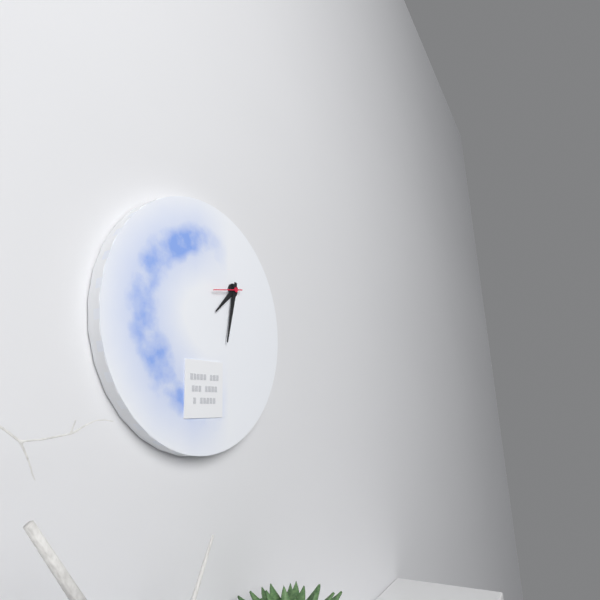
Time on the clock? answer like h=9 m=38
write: h=7 m=32
